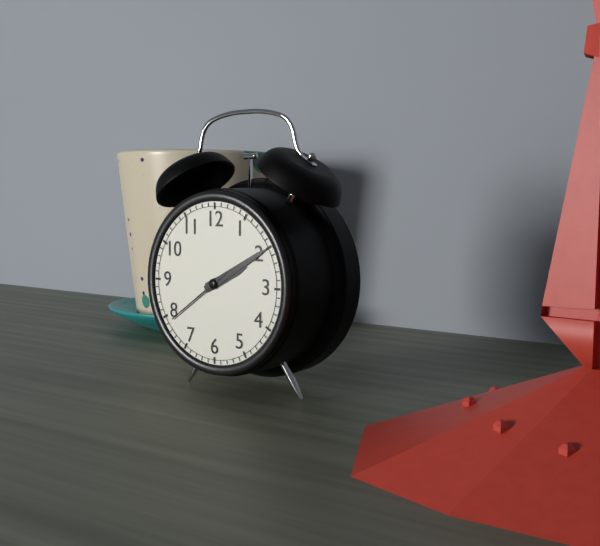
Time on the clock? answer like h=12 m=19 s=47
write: h=2 m=10 s=39
